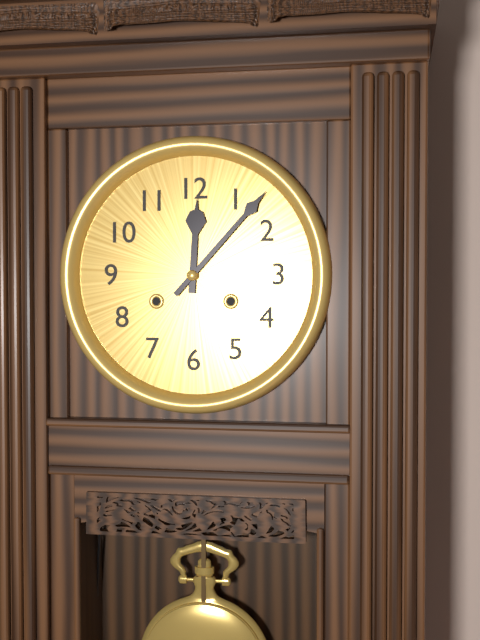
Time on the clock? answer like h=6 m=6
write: h=12 m=7
